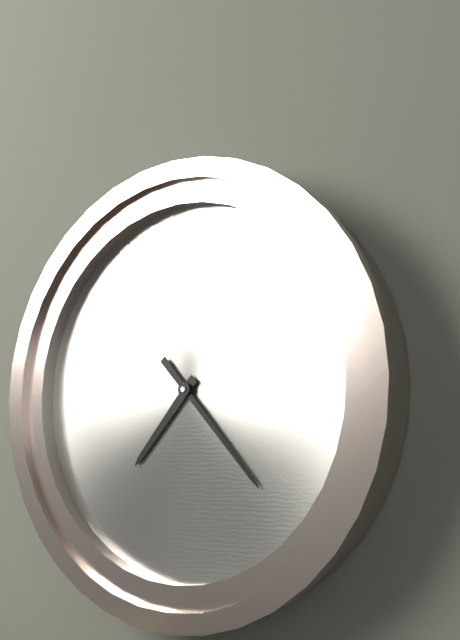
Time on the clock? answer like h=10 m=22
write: h=7 m=23
